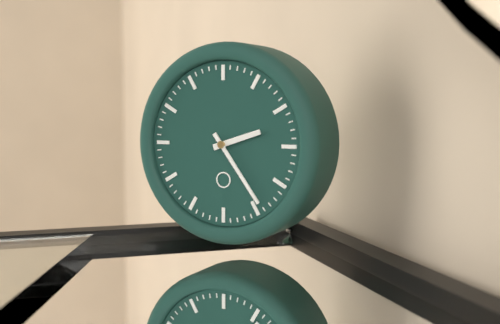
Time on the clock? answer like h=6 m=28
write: h=2 m=24
